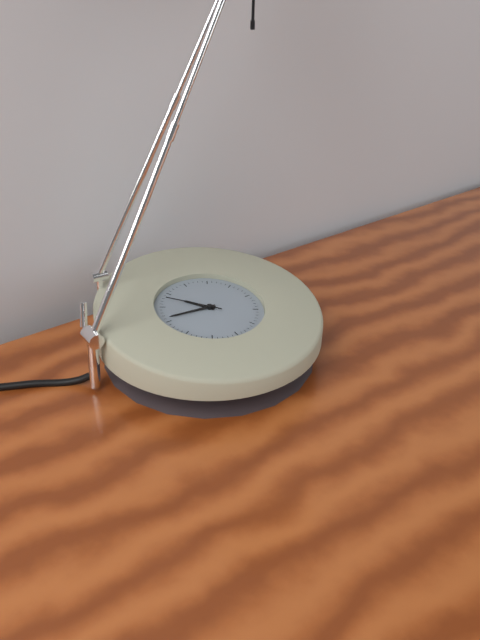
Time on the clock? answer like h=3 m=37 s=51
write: h=10 m=46 s=53
